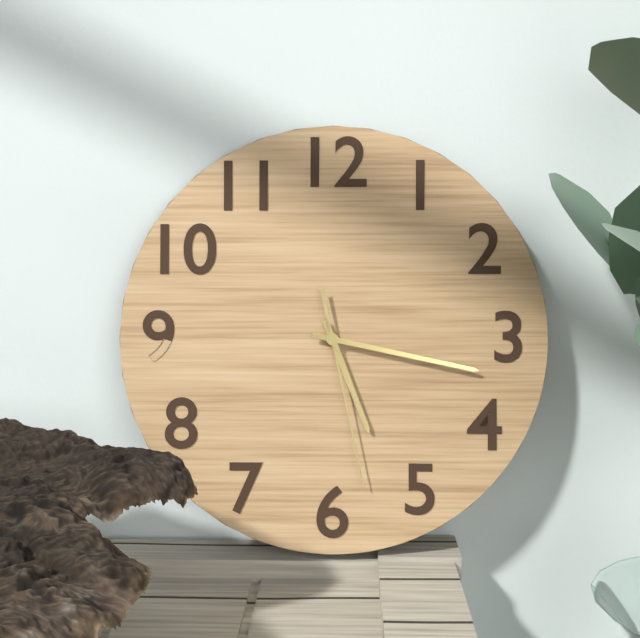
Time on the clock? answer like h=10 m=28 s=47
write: h=5 m=17 s=28
